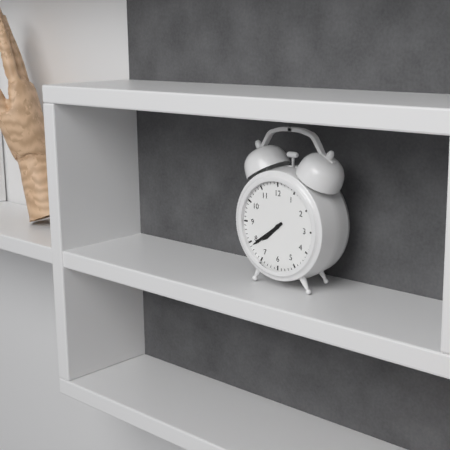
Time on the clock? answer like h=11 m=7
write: h=7 m=39
